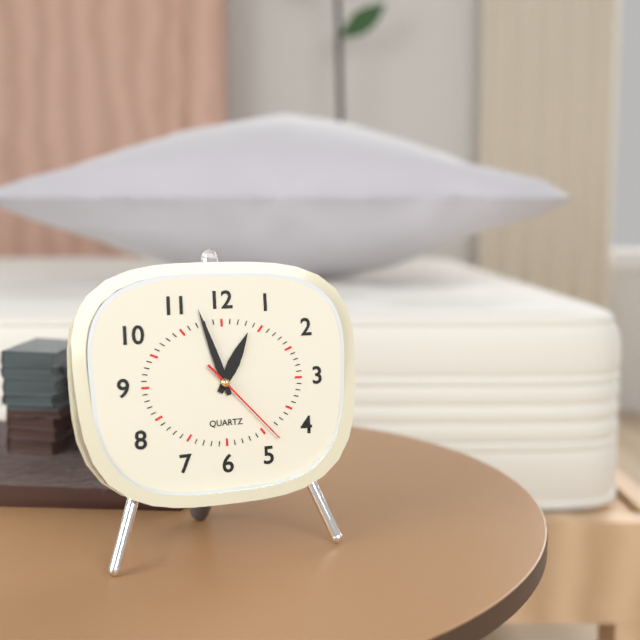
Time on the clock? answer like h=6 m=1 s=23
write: h=12 m=57 s=23
